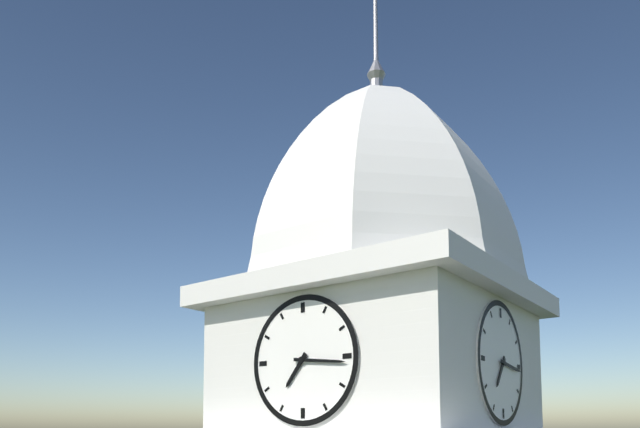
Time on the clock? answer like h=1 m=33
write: h=7 m=16
